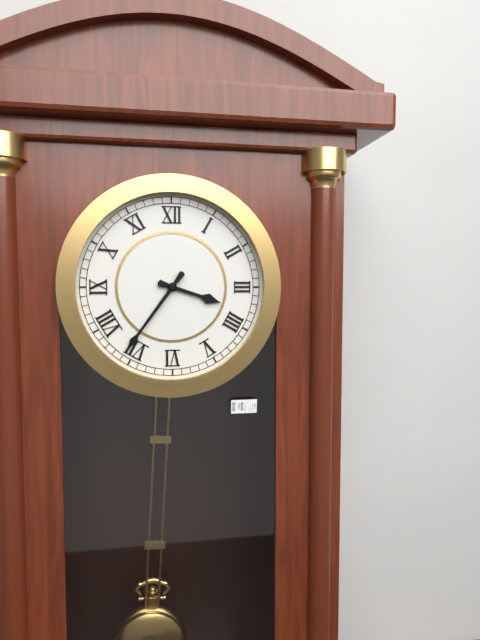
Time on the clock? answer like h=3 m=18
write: h=3 m=36
